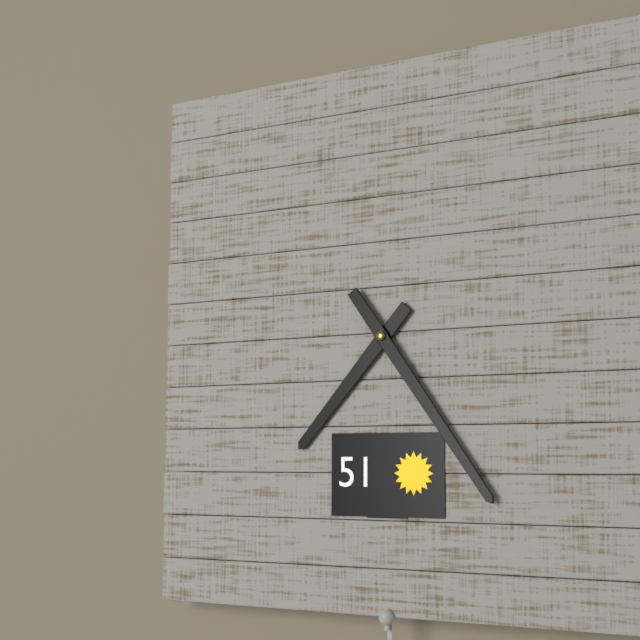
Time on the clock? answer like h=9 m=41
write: h=7 m=24
